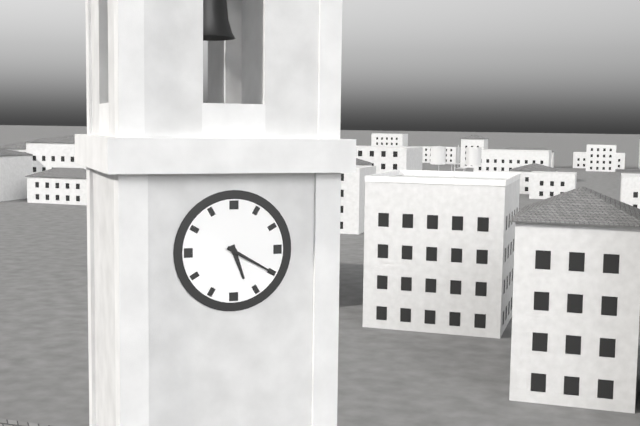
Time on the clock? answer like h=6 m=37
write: h=5 m=20
